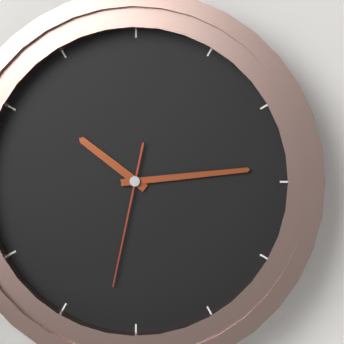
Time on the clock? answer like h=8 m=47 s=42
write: h=10 m=14 s=32
